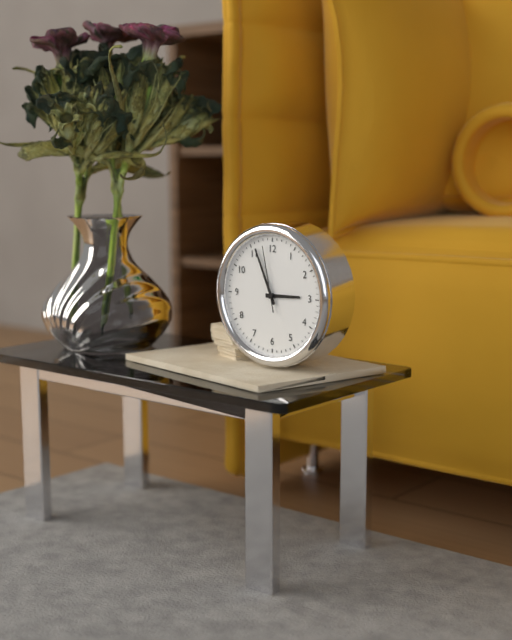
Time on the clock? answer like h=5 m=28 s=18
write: h=2 m=56 s=58
